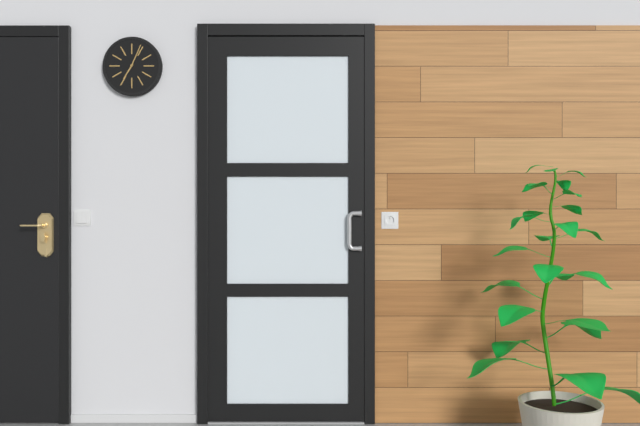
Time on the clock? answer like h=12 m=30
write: h=7 m=4
